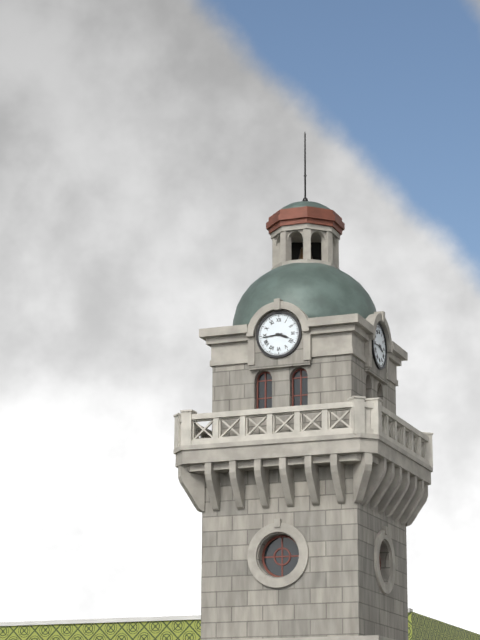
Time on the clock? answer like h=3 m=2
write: h=3 m=44
